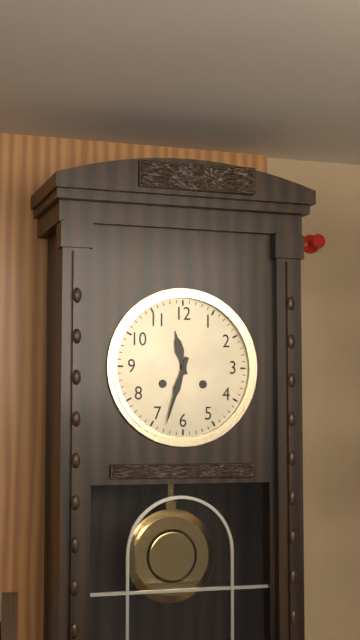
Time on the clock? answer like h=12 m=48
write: h=11 m=33
